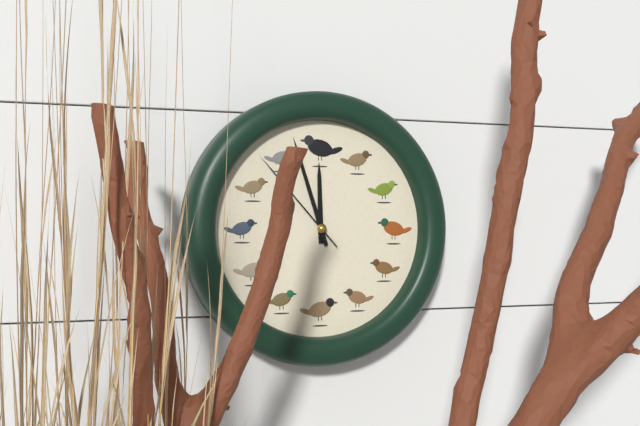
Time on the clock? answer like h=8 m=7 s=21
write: h=11 m=57 s=53
